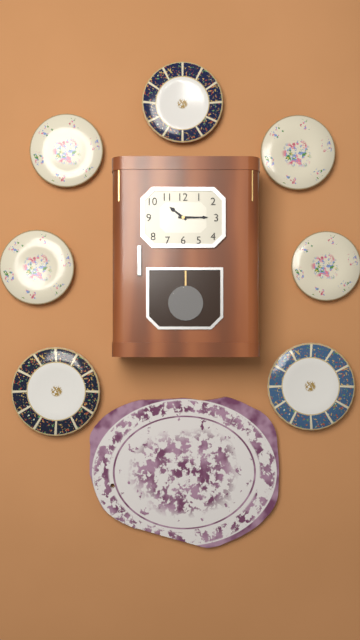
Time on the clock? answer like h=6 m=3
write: h=10 m=15
